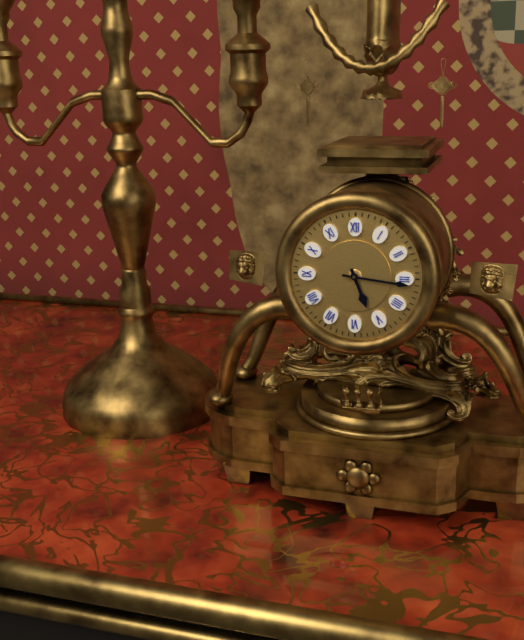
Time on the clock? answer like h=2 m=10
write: h=5 m=16
